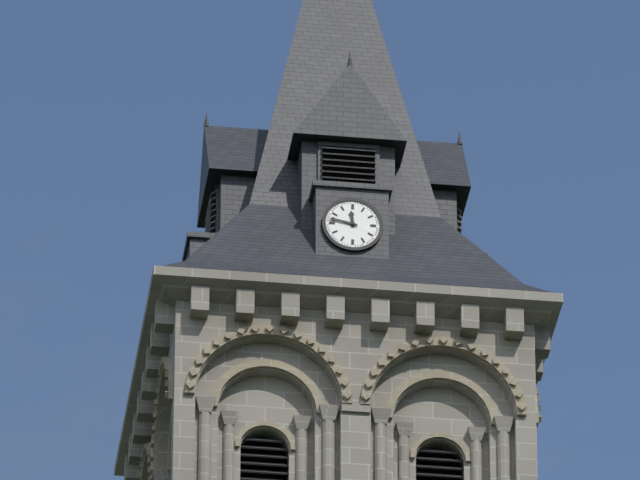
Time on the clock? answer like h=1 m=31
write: h=11 m=47
